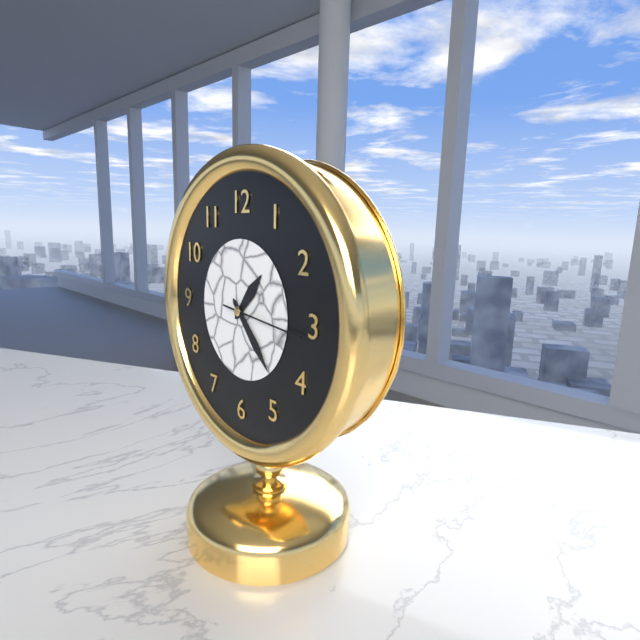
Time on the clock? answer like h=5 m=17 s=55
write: h=1 m=23 s=16
